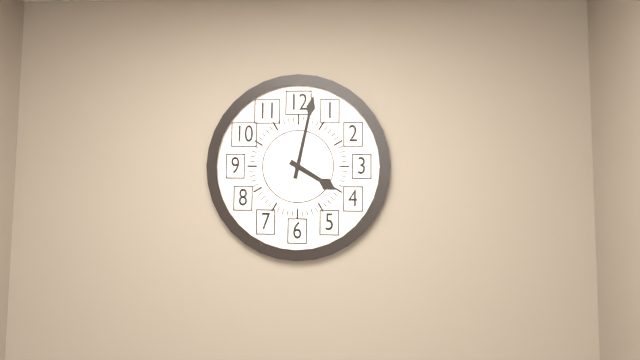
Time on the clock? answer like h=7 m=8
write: h=4 m=2
